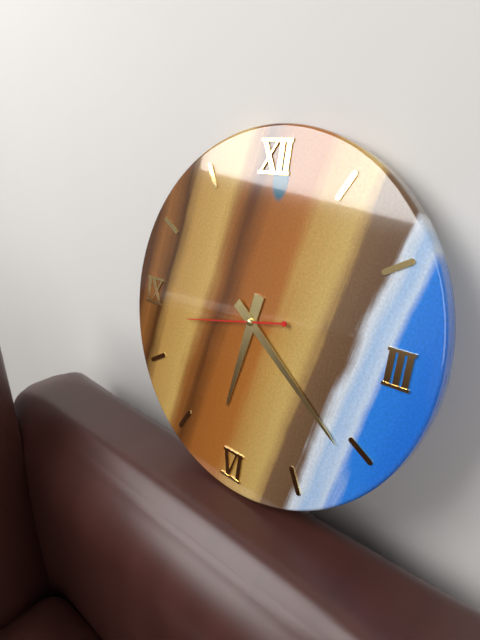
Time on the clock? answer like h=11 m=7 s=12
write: h=6 m=21 s=43
